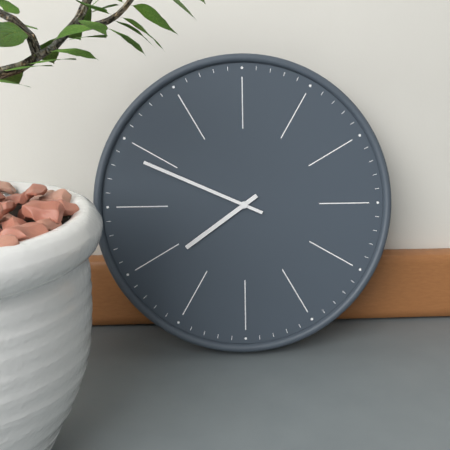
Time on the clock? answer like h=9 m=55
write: h=7 m=49
